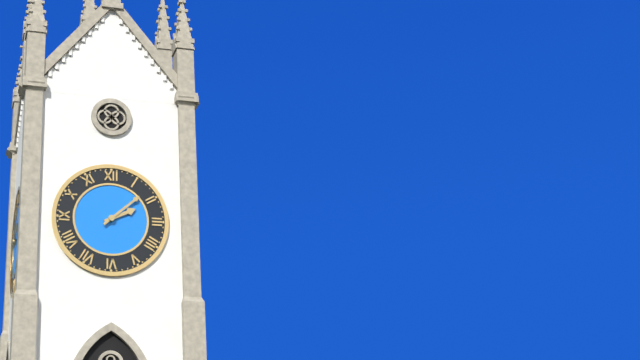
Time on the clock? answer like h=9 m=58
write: h=2 m=8
